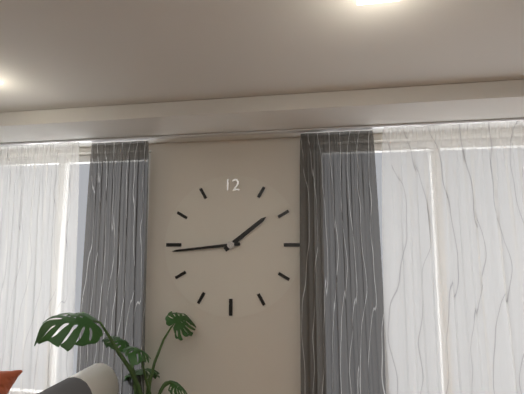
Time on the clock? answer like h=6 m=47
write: h=1 m=44
